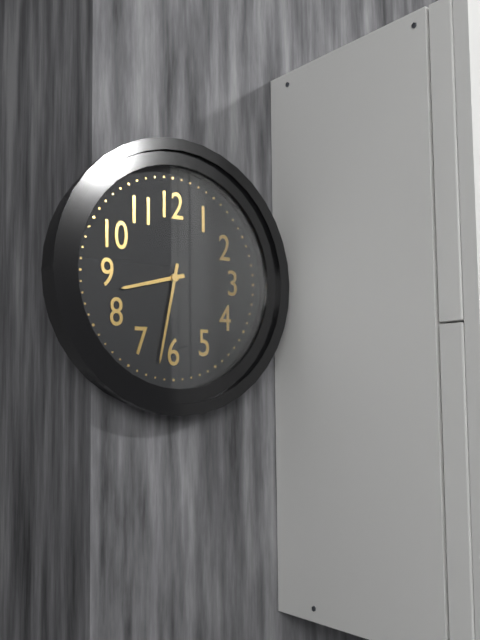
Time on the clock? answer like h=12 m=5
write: h=8 m=32
